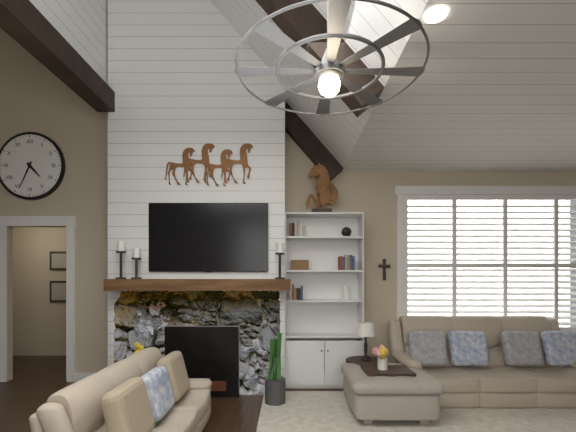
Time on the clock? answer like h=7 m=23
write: h=4 m=34
